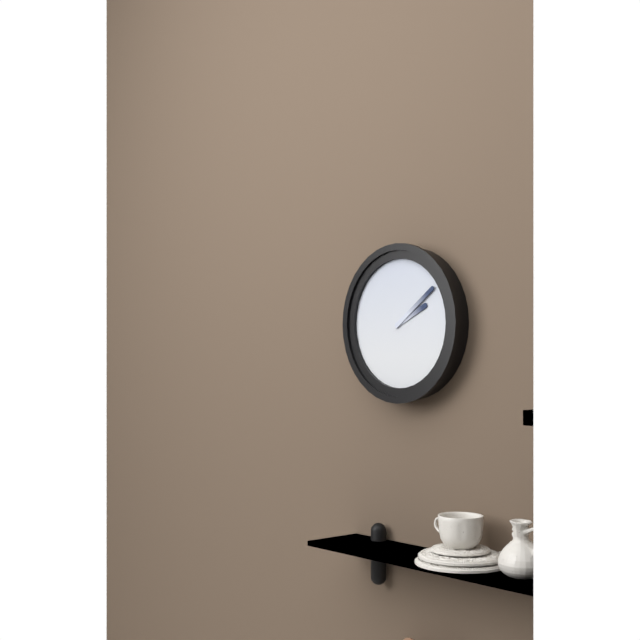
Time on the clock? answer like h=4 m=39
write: h=2 m=9
